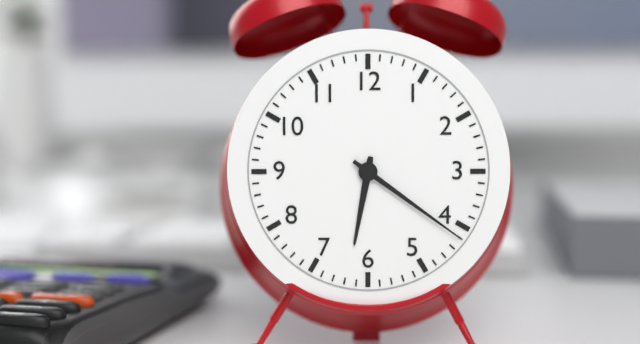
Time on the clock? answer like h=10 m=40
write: h=6 m=21
